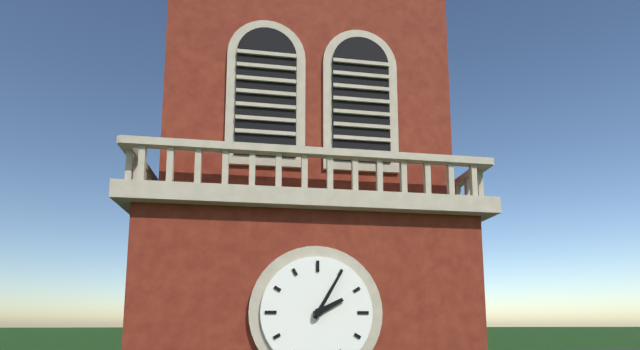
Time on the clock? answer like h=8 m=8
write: h=2 m=5
